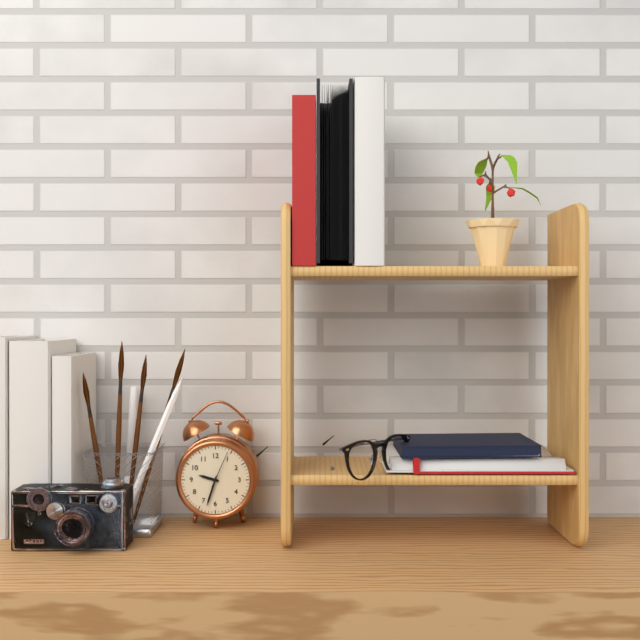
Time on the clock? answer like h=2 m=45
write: h=9 m=33
